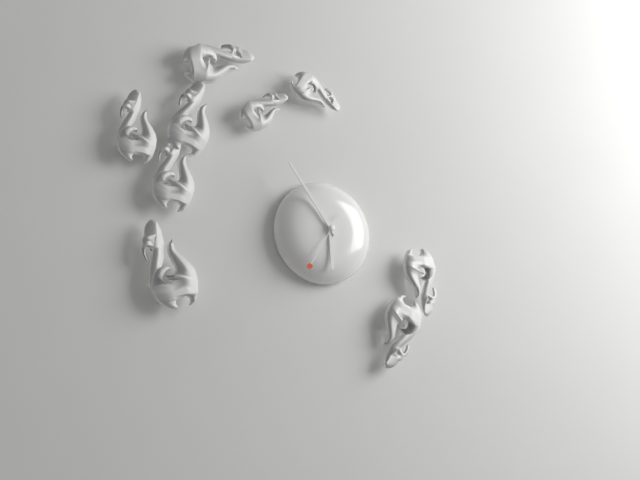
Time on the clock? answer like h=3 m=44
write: h=5 m=54
